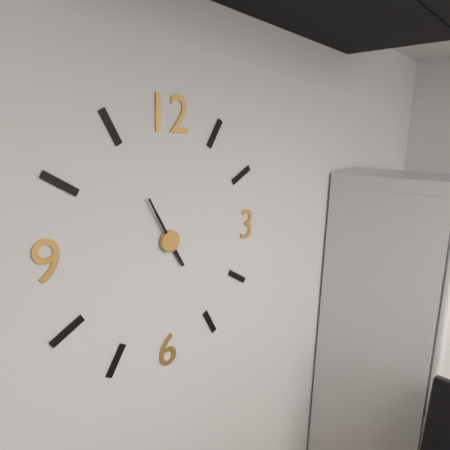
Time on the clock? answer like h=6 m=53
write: h=4 m=55
